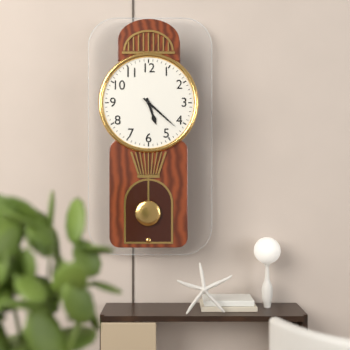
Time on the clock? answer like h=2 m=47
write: h=5 m=22
